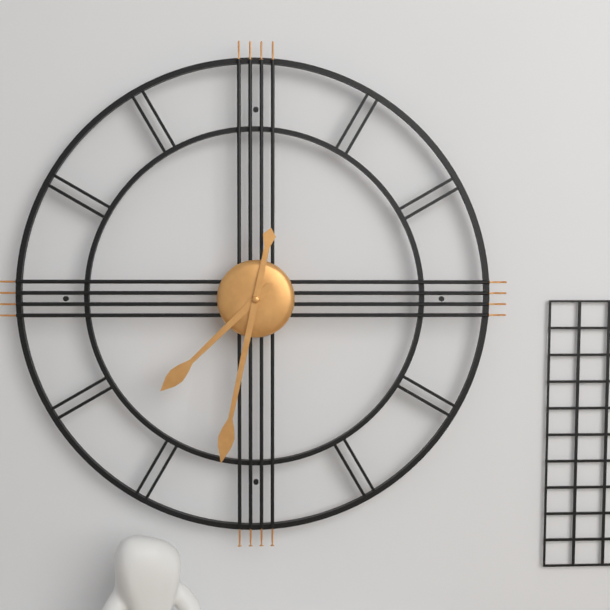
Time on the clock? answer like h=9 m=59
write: h=7 m=32
